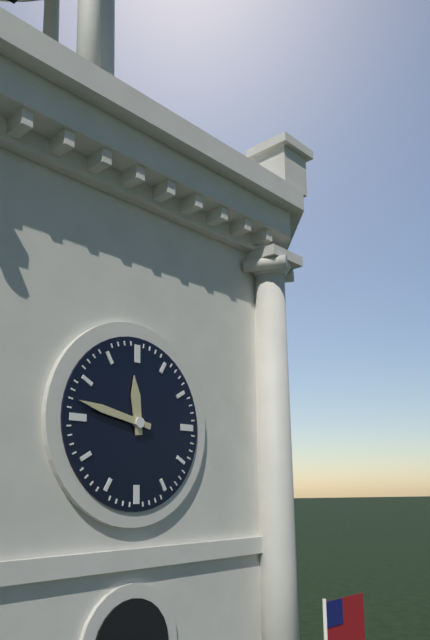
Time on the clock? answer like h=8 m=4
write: h=11 m=47
